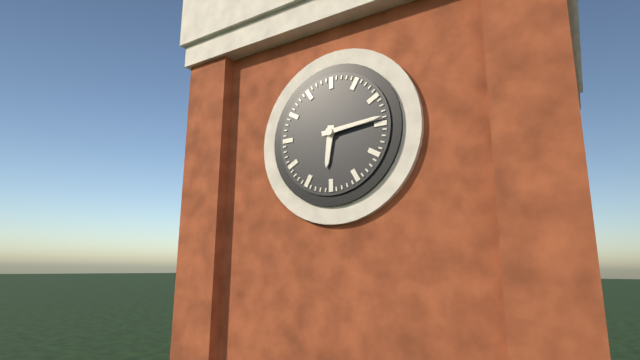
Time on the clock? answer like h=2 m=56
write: h=6 m=14
